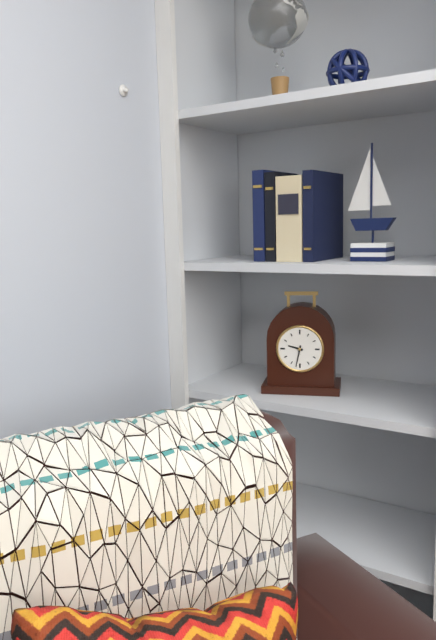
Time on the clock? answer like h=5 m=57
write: h=9 m=32
